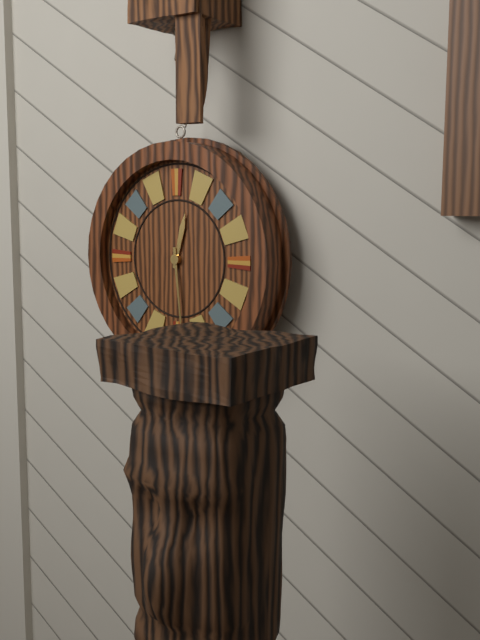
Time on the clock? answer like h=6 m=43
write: h=12 m=29
